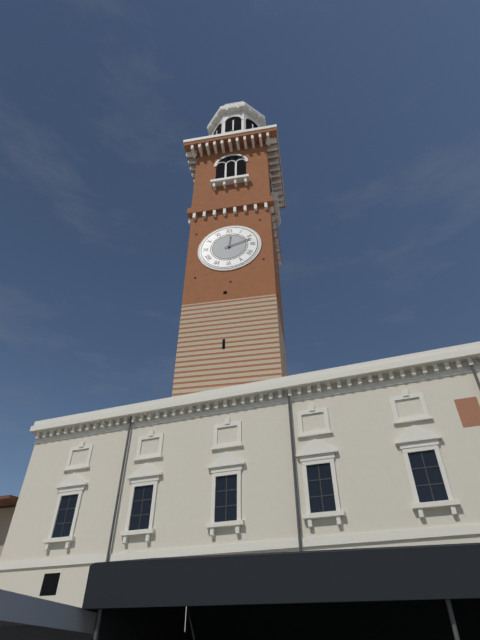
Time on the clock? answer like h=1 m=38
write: h=12 m=12
